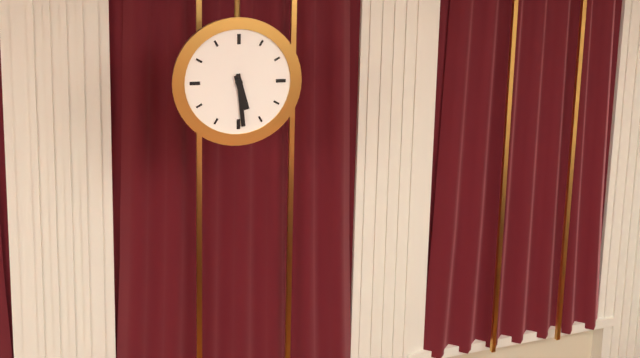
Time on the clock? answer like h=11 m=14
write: h=5 m=29
